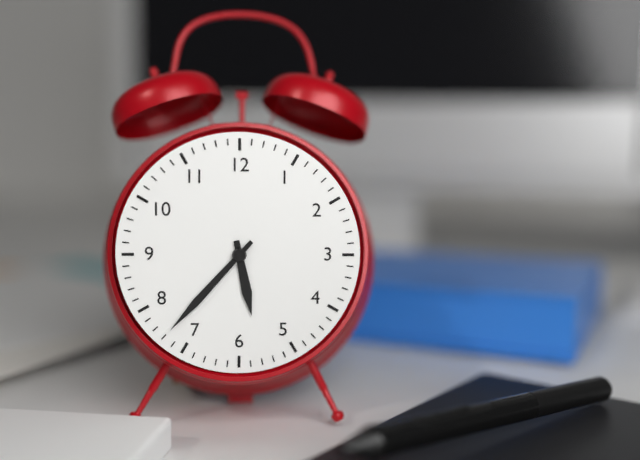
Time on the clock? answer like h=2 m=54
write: h=5 m=37
